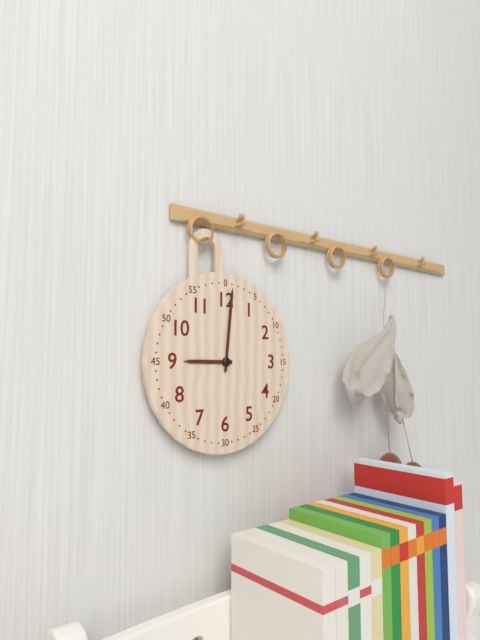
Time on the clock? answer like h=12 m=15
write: h=9 m=1
